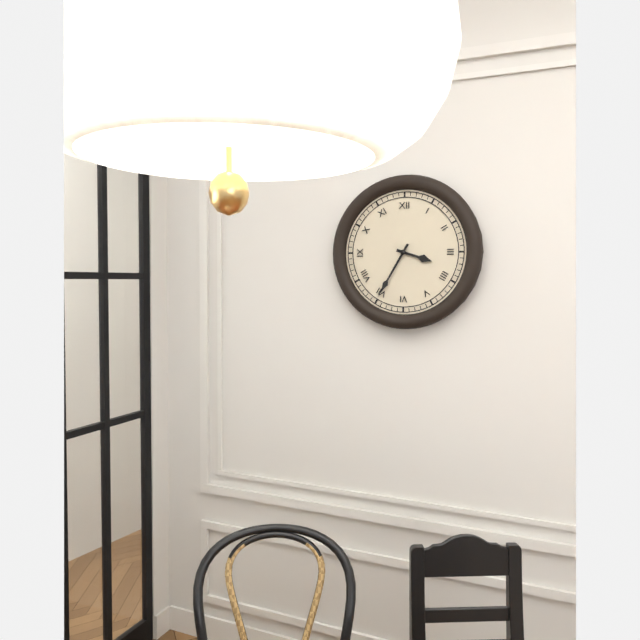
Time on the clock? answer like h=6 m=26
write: h=3 m=35
